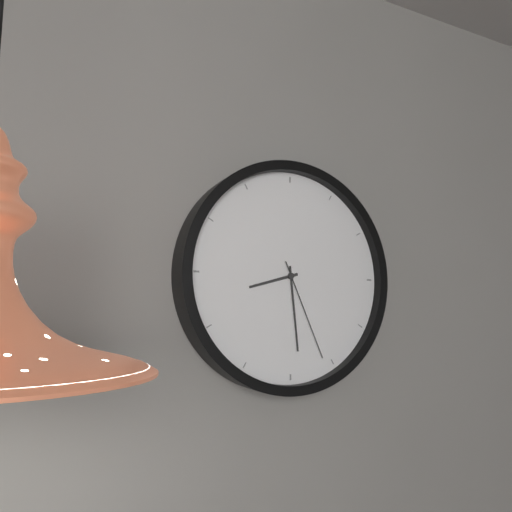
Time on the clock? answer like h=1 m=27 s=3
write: h=8 m=29 s=26
